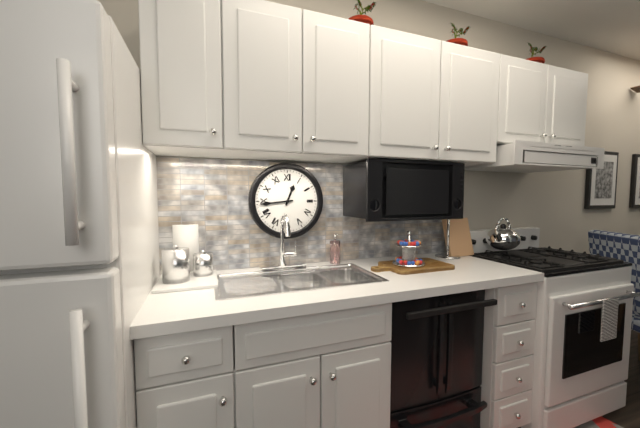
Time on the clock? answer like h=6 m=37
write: h=12 m=44
